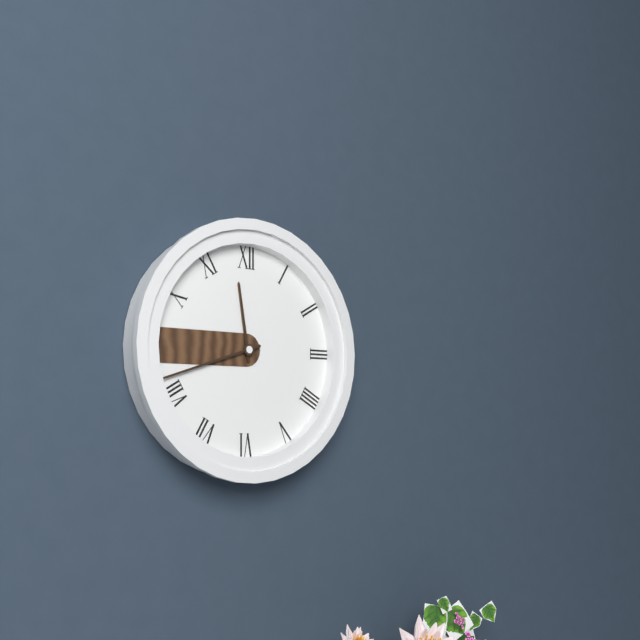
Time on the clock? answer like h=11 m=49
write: h=11 m=42
